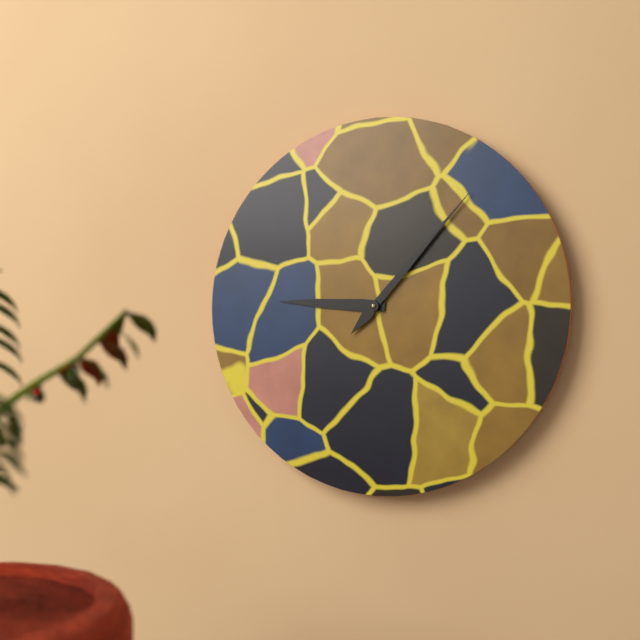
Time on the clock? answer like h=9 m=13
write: h=9 m=7
